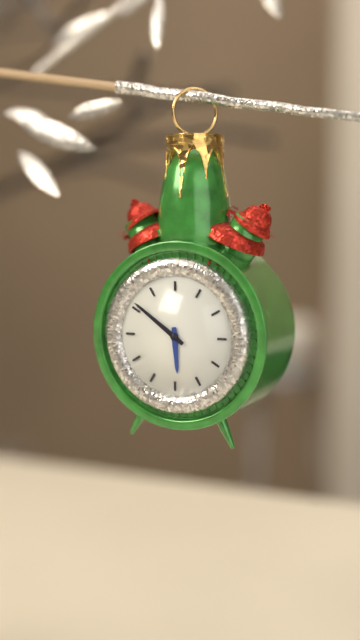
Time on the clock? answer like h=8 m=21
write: h=5 m=51
